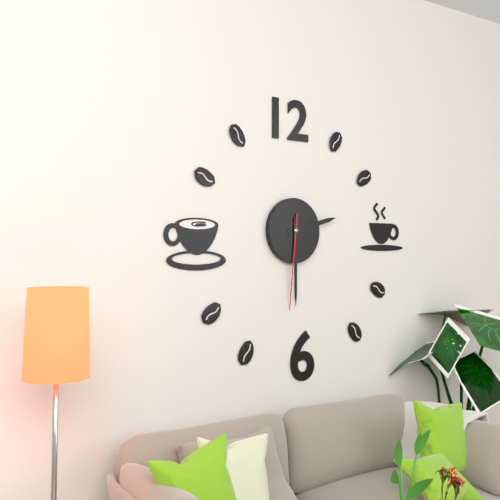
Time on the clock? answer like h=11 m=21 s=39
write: h=2 m=30 s=31
